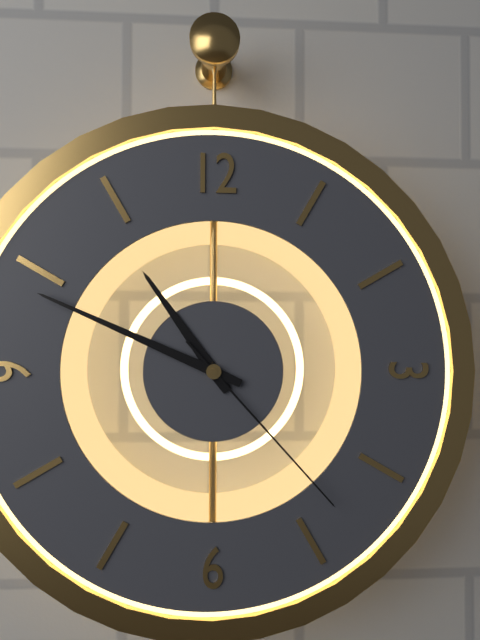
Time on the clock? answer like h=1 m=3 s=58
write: h=10 m=49 s=23
